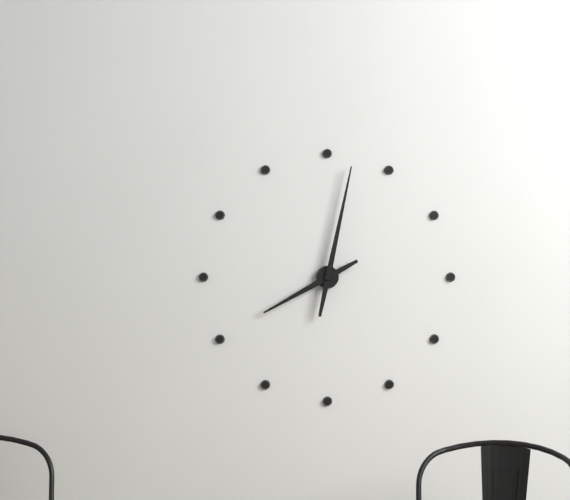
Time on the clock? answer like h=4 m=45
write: h=8 m=2
